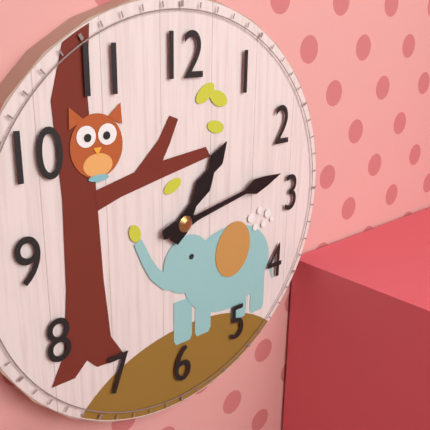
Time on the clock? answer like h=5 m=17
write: h=1 m=13
